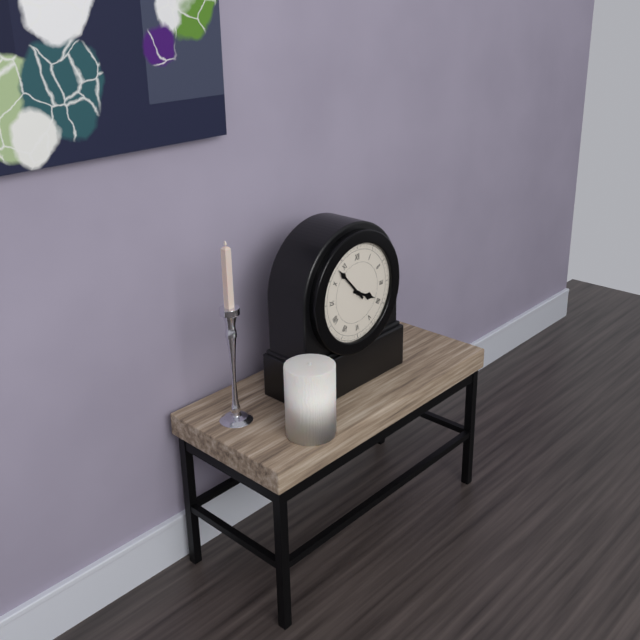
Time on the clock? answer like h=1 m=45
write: h=3 m=53
